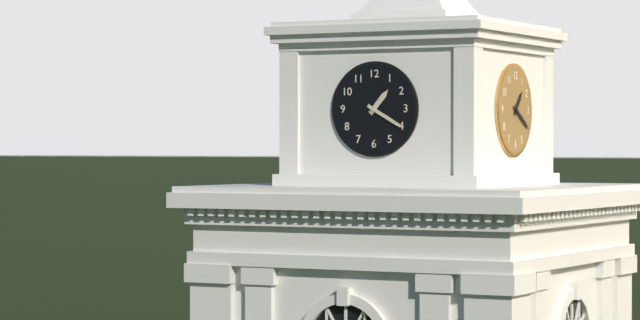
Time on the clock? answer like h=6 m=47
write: h=1 m=20
